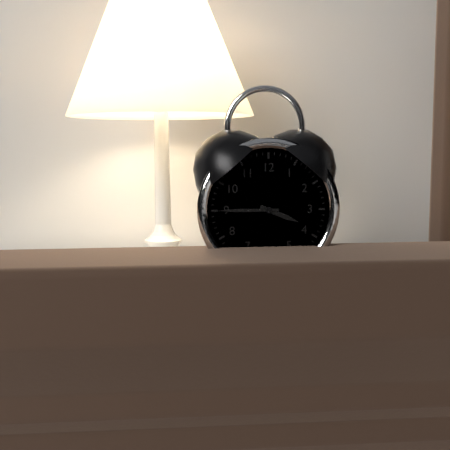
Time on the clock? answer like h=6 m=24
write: h=3 m=45
